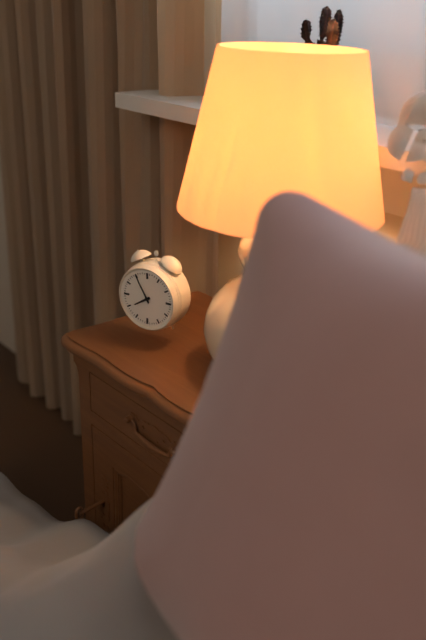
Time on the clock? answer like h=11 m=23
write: h=7 m=55
